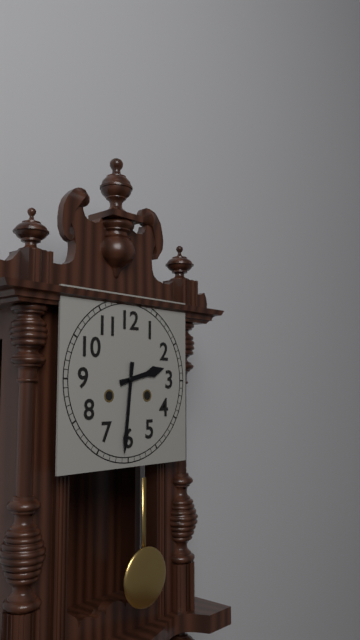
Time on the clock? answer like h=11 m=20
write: h=2 m=31
